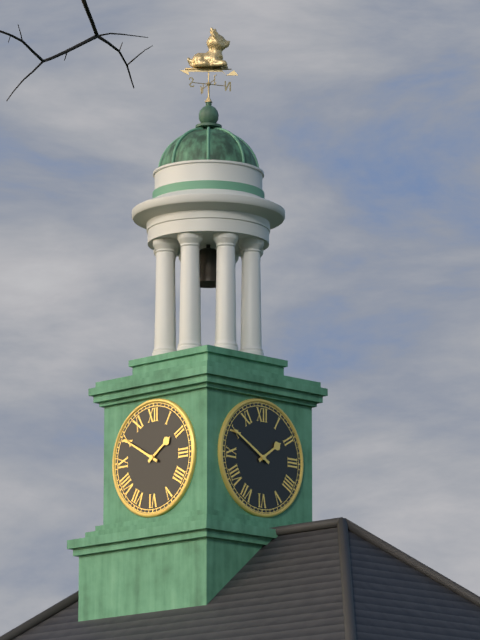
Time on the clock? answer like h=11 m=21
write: h=1 m=50
